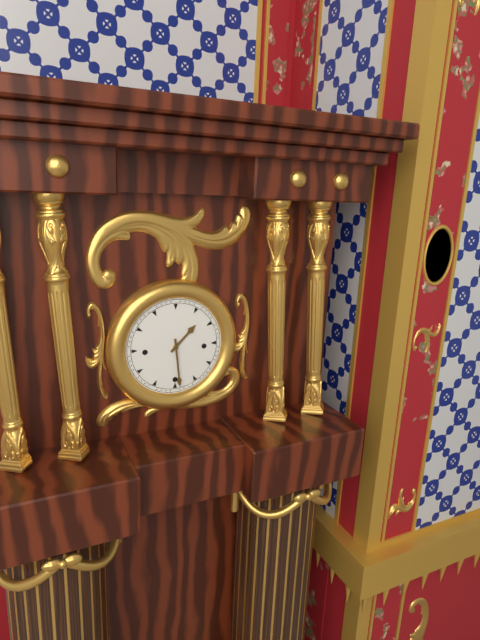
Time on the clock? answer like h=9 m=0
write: h=1 m=29
